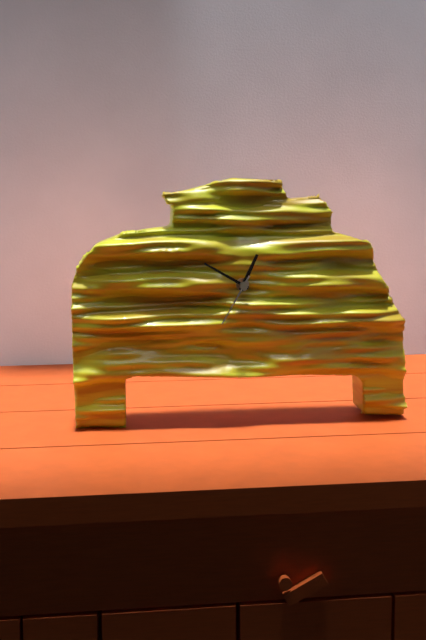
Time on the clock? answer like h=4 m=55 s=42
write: h=12 m=50 s=35
